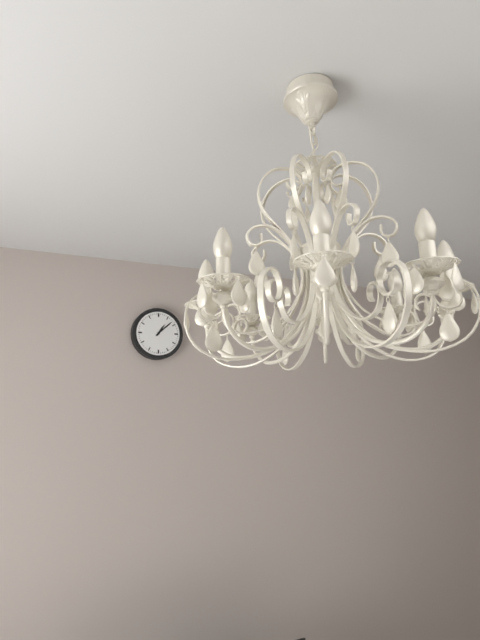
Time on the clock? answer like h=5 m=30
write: h=1 m=8
